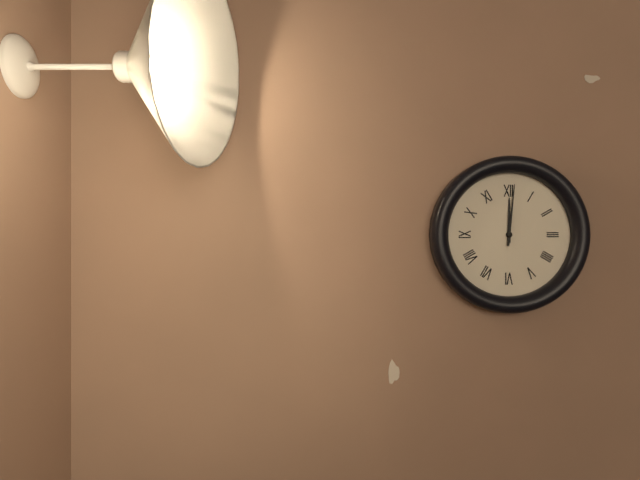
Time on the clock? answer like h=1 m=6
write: h=12 m=1
